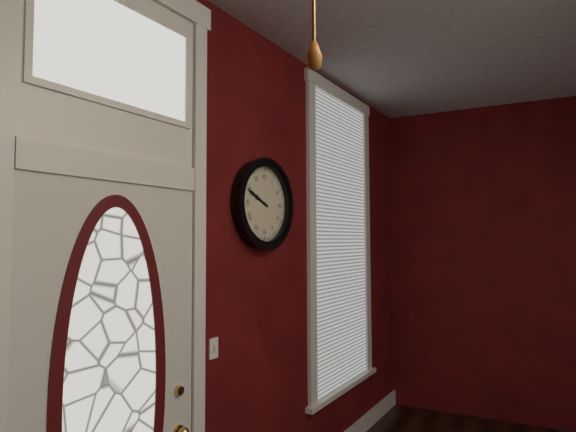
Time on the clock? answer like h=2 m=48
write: h=9 m=49
